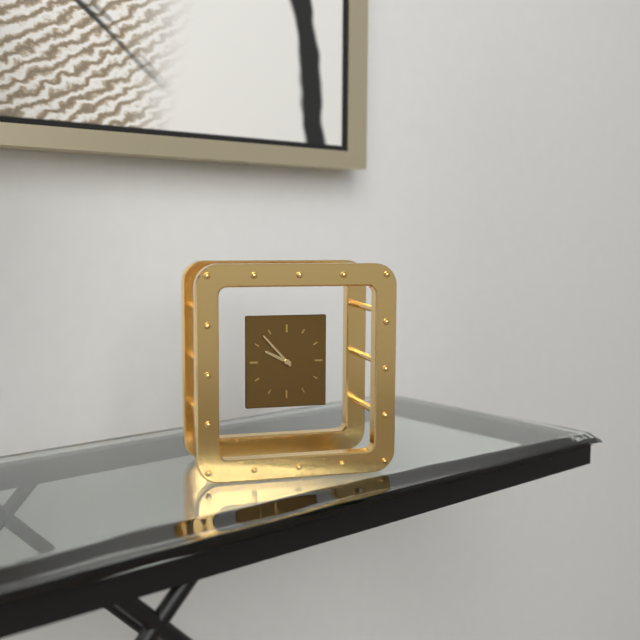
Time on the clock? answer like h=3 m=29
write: h=9 m=53
